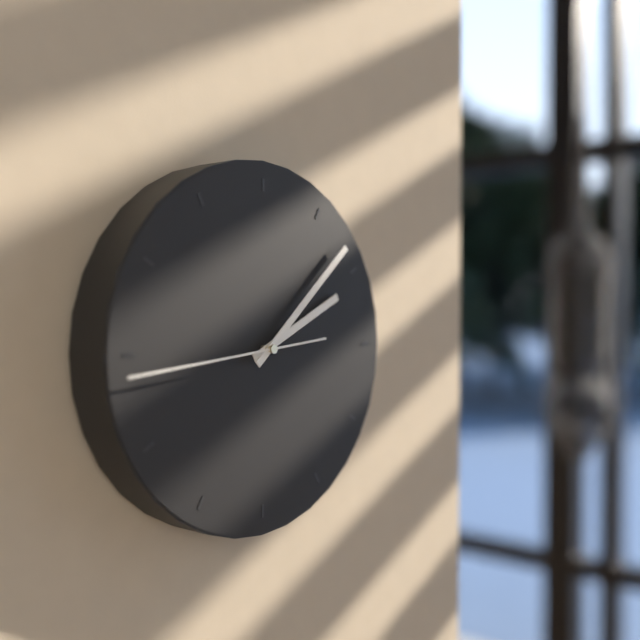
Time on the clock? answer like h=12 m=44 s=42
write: h=2 m=8 s=44
